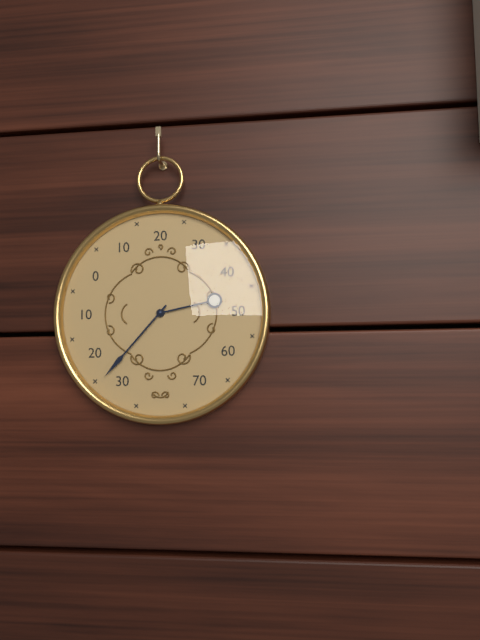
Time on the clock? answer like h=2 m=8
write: h=2 m=37
